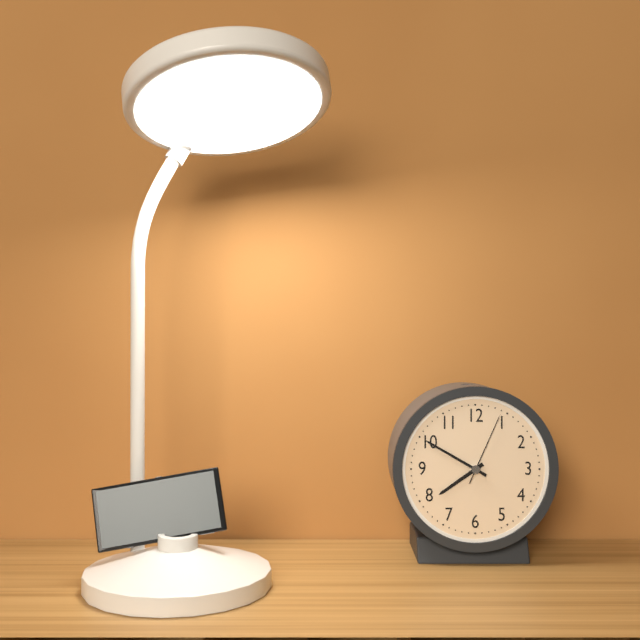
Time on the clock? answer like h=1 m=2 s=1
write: h=7 m=50 s=4
